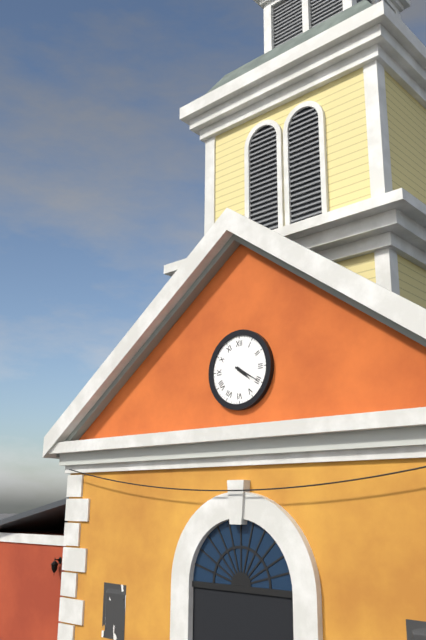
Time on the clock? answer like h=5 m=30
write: h=4 m=20
